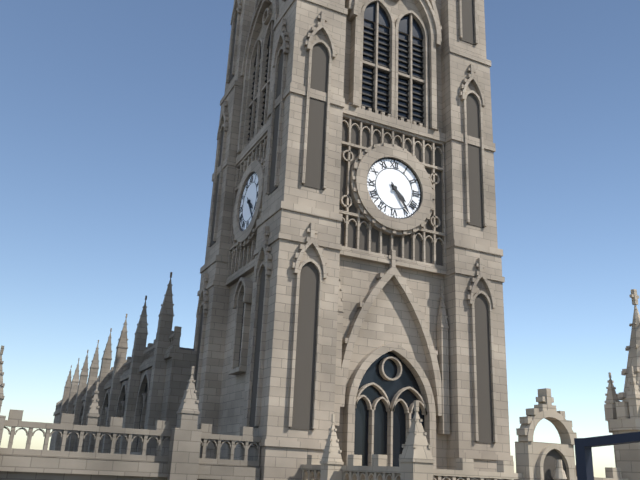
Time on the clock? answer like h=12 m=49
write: h=4 m=24
